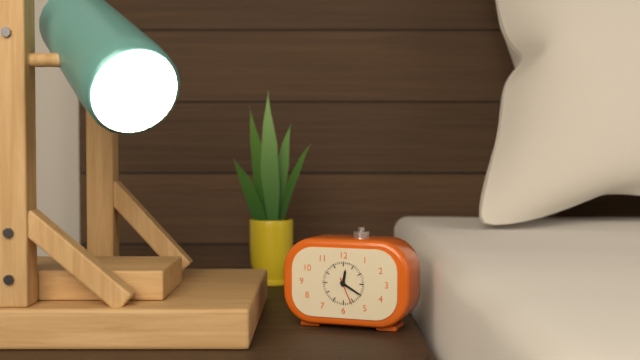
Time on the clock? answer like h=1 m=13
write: h=12 m=20
